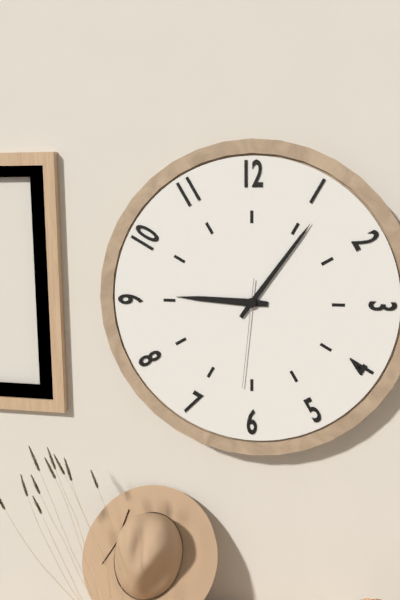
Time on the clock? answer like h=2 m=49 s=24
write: h=9 m=6 s=31
